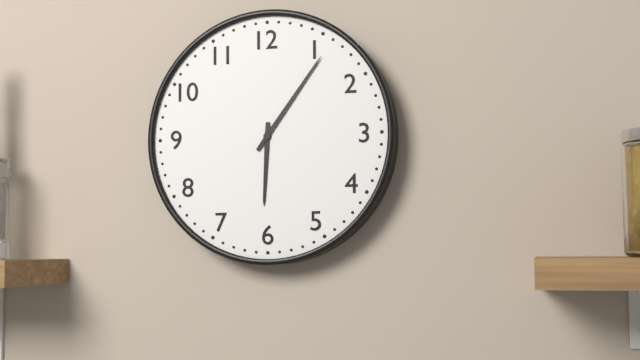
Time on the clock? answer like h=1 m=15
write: h=6 m=6
